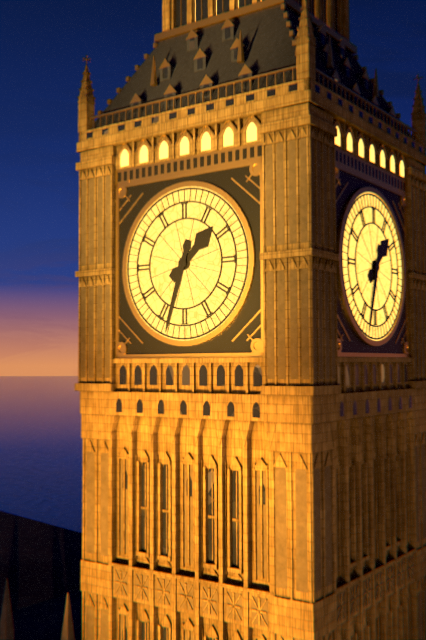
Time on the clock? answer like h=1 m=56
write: h=1 m=33
